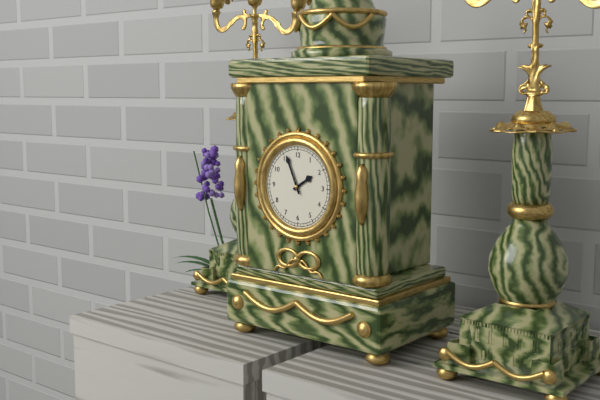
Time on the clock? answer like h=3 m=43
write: h=1 m=56
